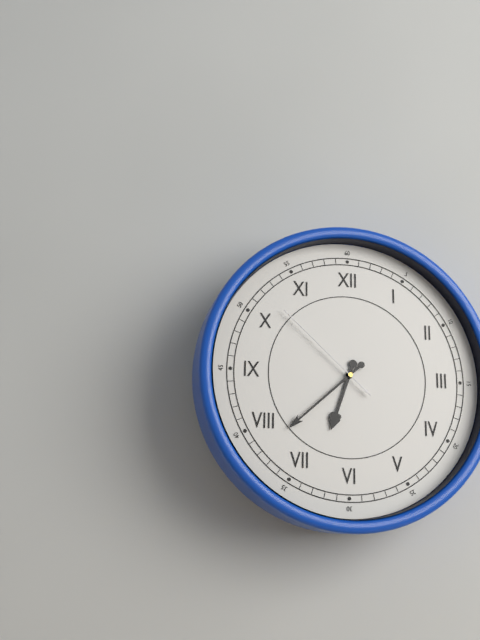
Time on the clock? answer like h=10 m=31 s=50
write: h=6 m=38 s=52
